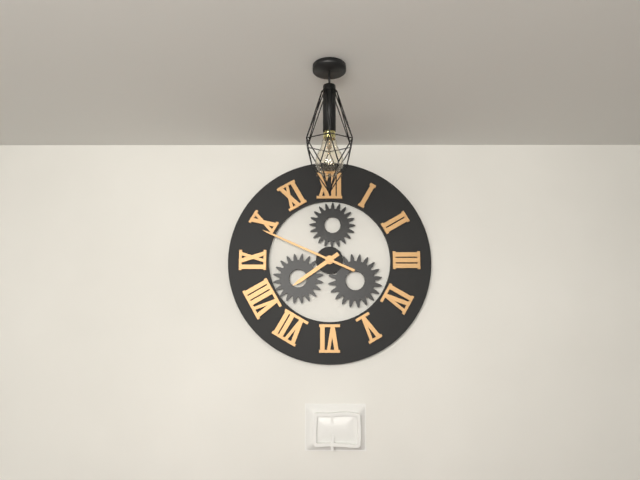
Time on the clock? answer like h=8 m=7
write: h=7 m=49
